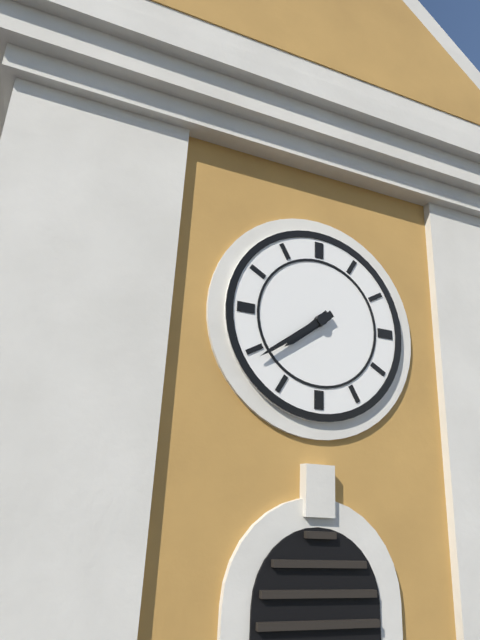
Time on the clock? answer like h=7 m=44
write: h=7 m=39
